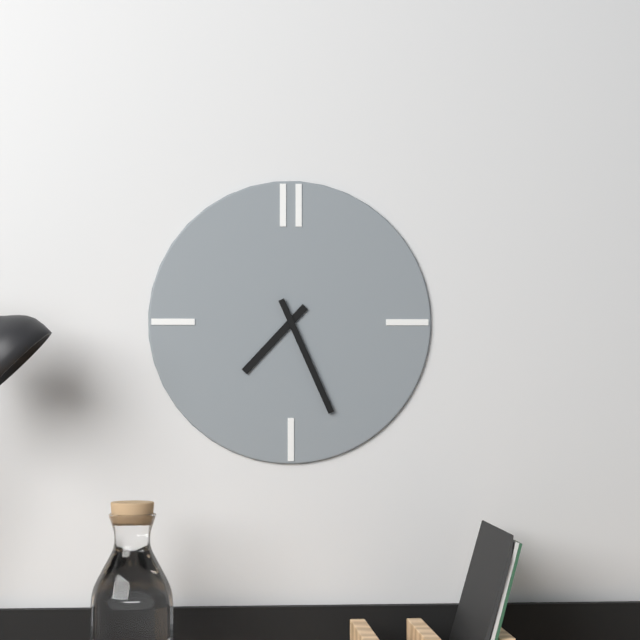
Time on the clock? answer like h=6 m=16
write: h=7 m=26
